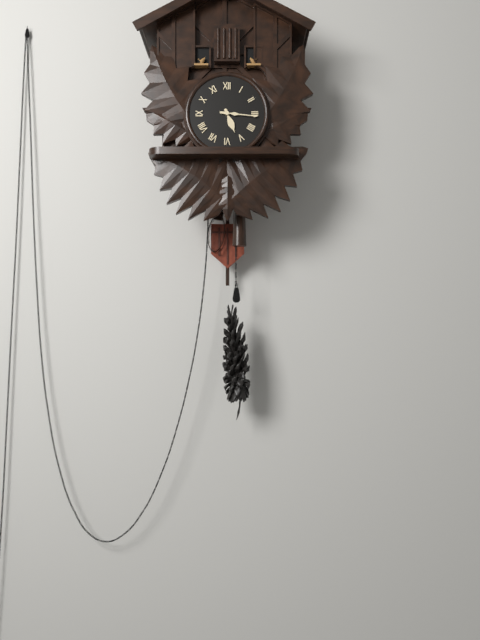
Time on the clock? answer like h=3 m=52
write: h=5 m=16
